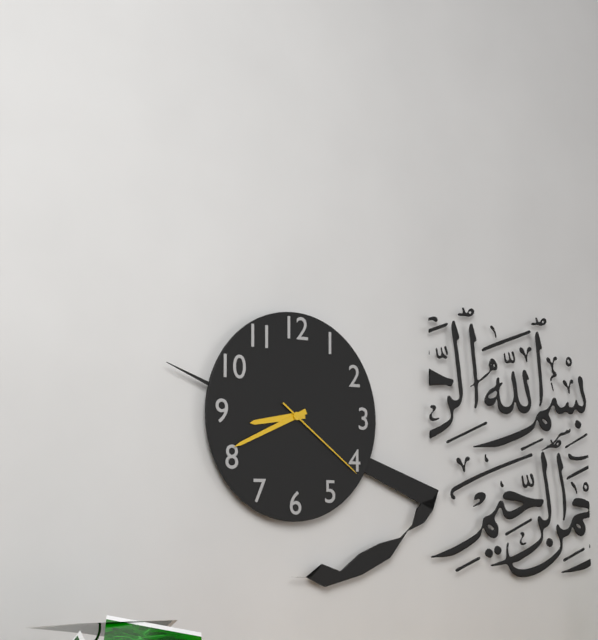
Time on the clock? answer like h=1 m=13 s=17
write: h=8 m=41 s=21
